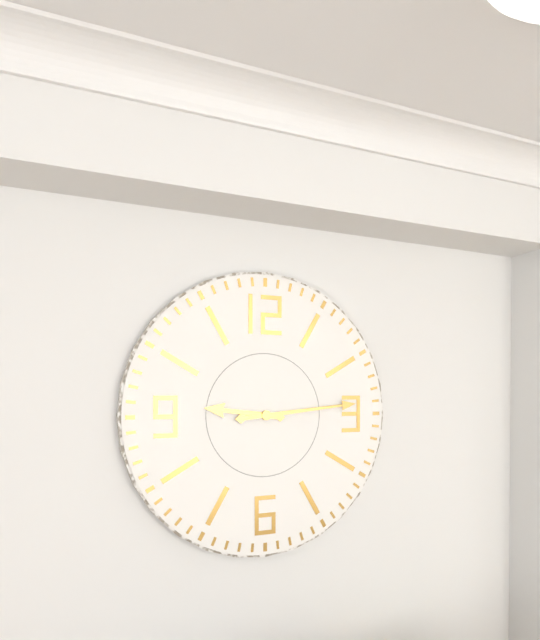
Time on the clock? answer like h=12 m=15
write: h=9 m=14
